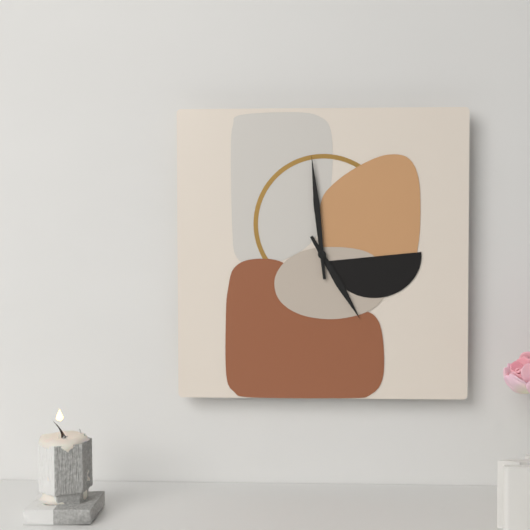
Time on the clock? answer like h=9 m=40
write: h=4 m=59
